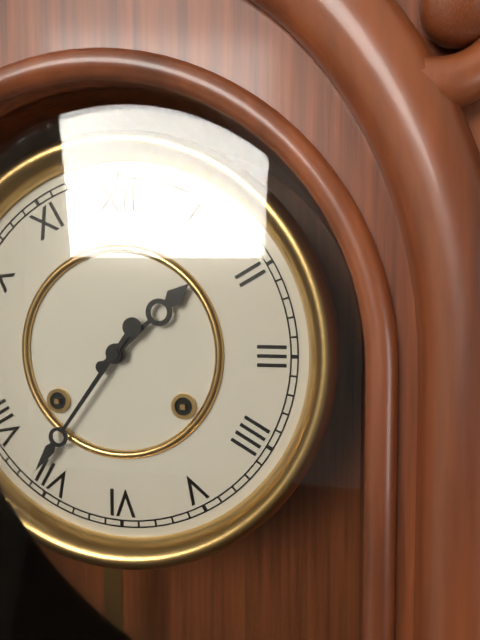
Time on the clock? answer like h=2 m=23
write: h=1 m=36
